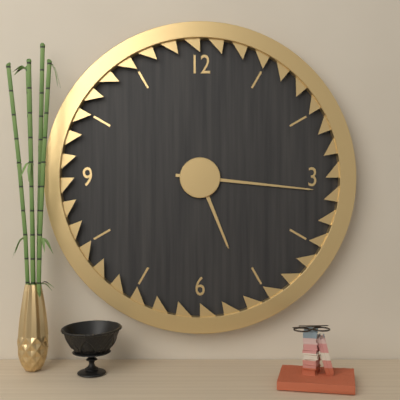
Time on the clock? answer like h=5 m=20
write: h=5 m=16
